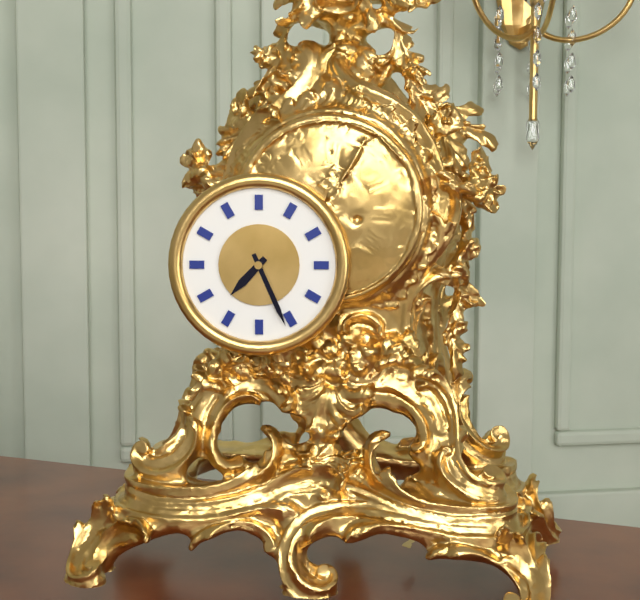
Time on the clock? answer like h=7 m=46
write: h=7 m=26
